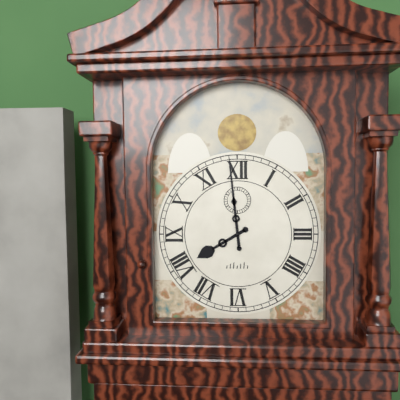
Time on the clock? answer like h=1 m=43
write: h=7 m=59
